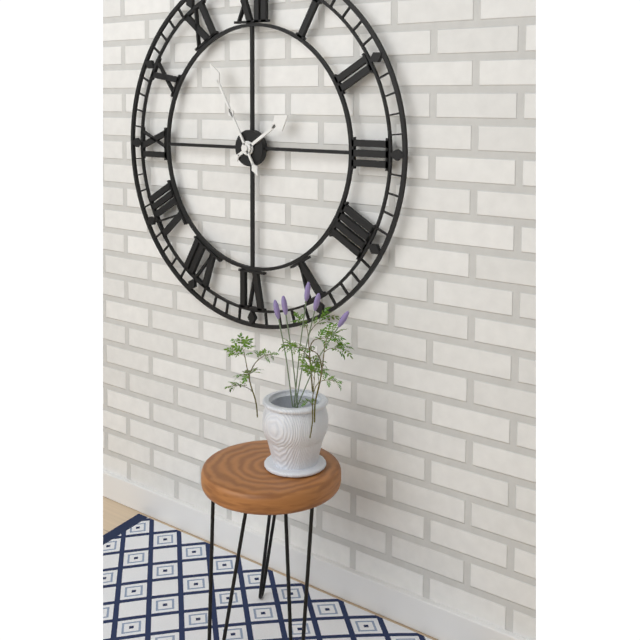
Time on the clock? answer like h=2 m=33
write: h=1 m=55
